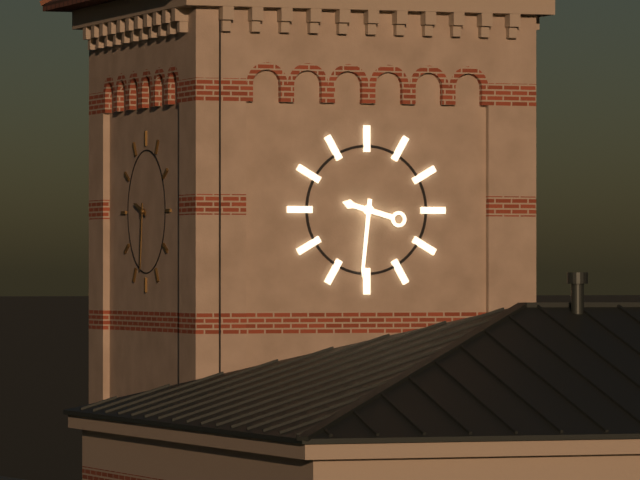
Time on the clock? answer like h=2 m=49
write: h=9 m=31
